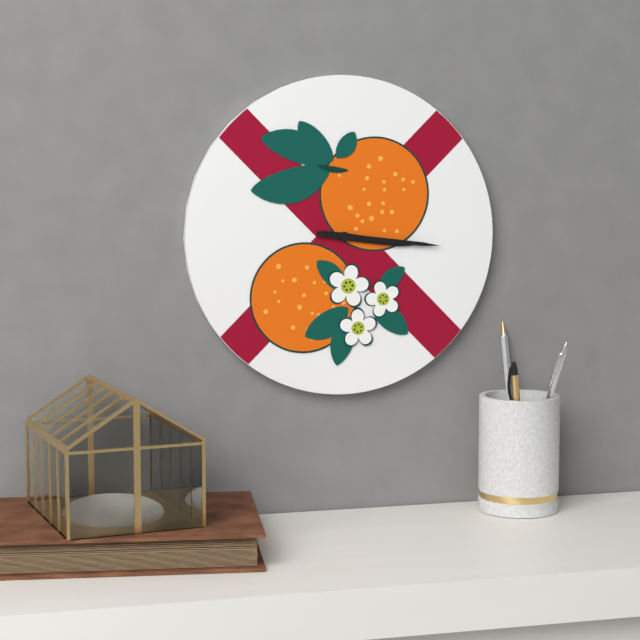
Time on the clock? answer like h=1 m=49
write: h=3 m=16
